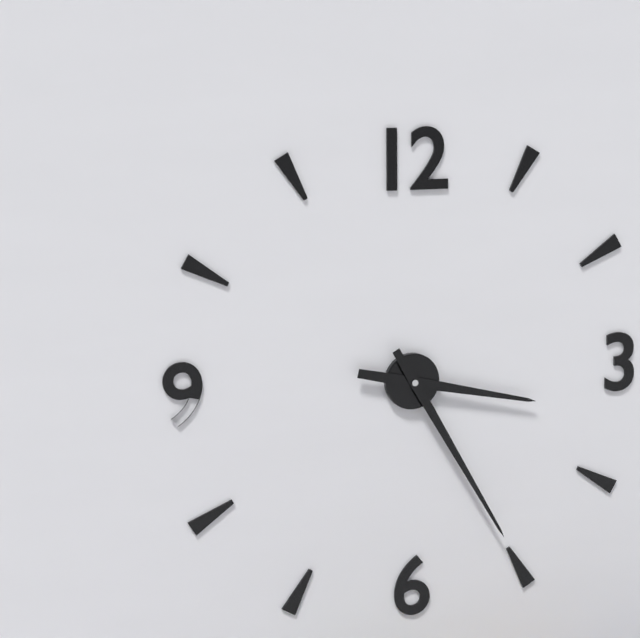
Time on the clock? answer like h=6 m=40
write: h=3 m=25
